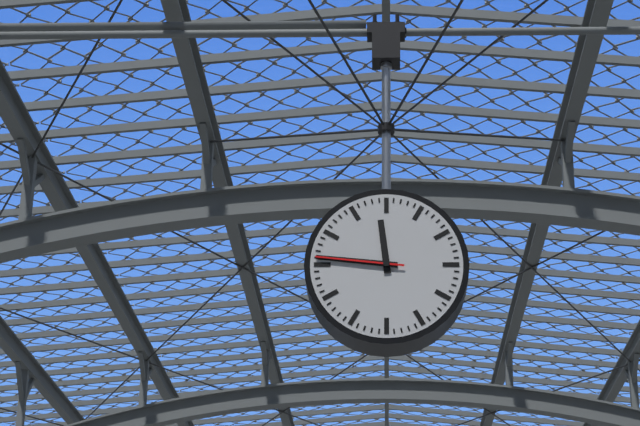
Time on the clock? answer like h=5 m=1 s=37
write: h=11 m=46 s=46
